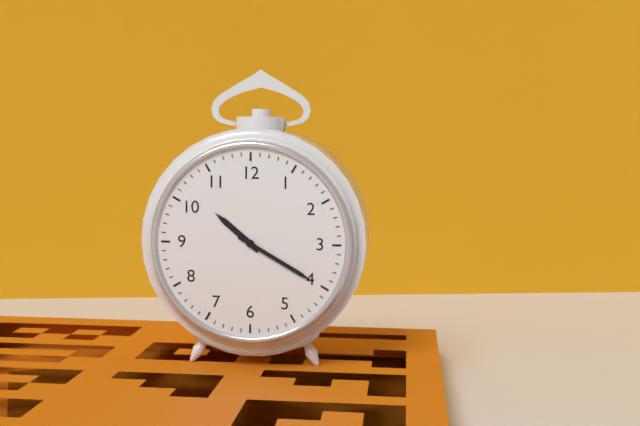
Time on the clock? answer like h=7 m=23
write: h=10 m=20
